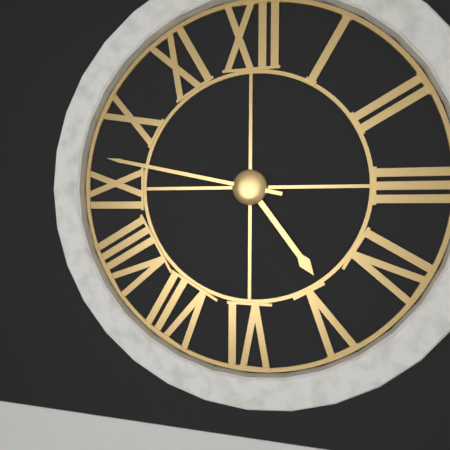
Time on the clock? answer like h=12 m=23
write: h=4 m=47
